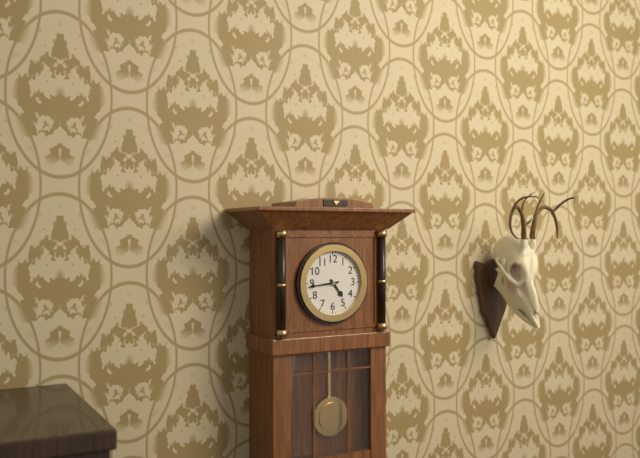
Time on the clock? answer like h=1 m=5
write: h=4 m=44
